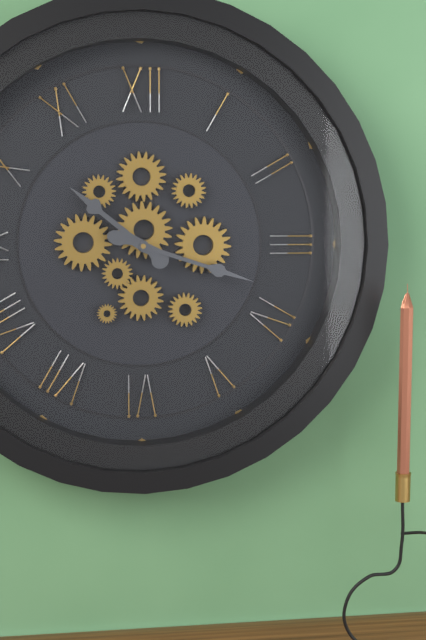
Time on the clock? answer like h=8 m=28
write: h=10 m=18
